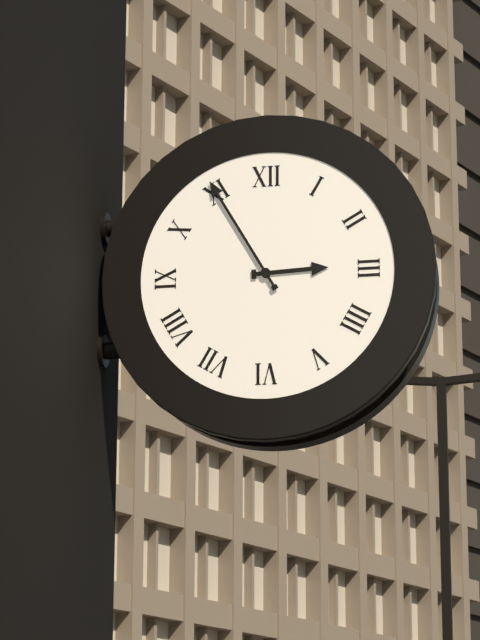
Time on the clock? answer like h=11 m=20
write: h=2 m=55
